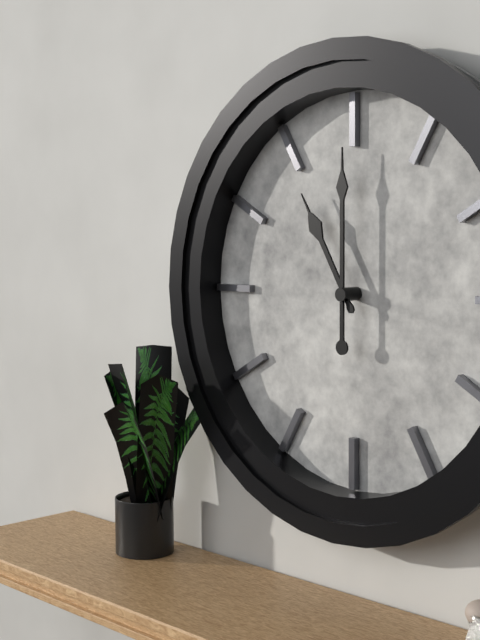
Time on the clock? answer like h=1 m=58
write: h=11 m=0
